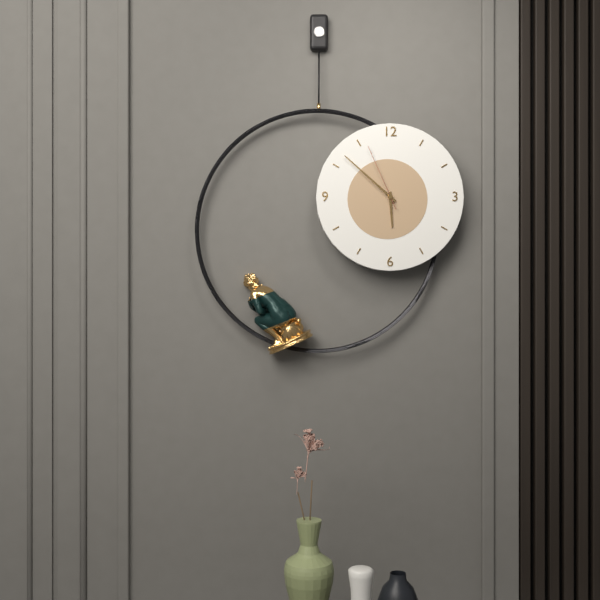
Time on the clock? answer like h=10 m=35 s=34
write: h=5 m=52 s=56
